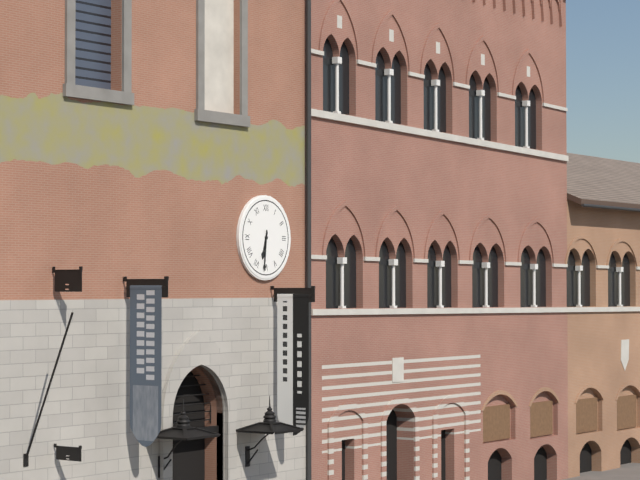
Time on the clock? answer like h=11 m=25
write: h=6 m=31
